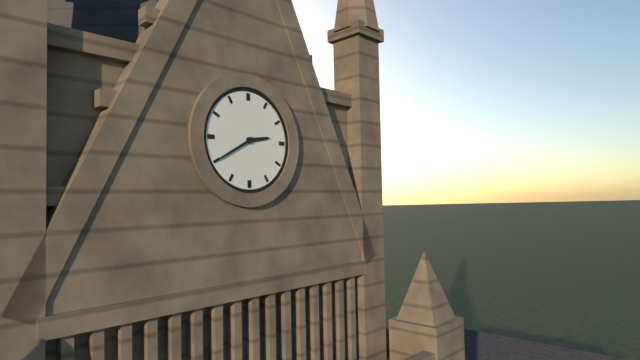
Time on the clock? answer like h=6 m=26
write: h=2 m=40
